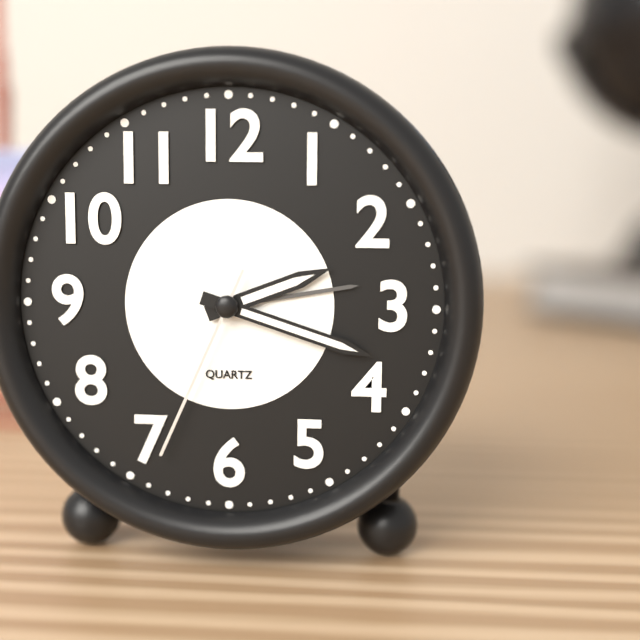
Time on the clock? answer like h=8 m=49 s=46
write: h=2 m=18 s=34
